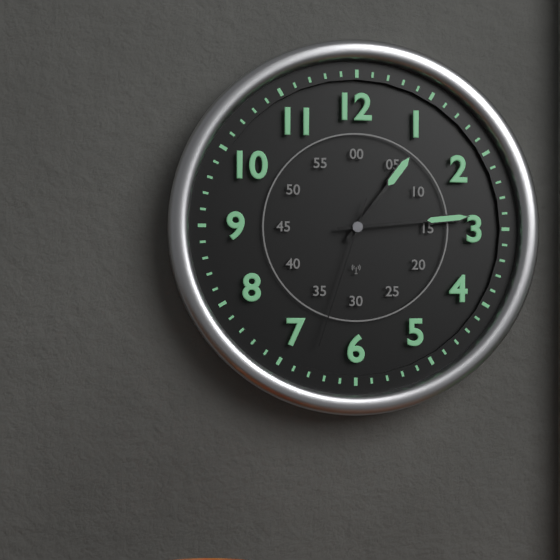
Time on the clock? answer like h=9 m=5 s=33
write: h=1 m=14 s=33
